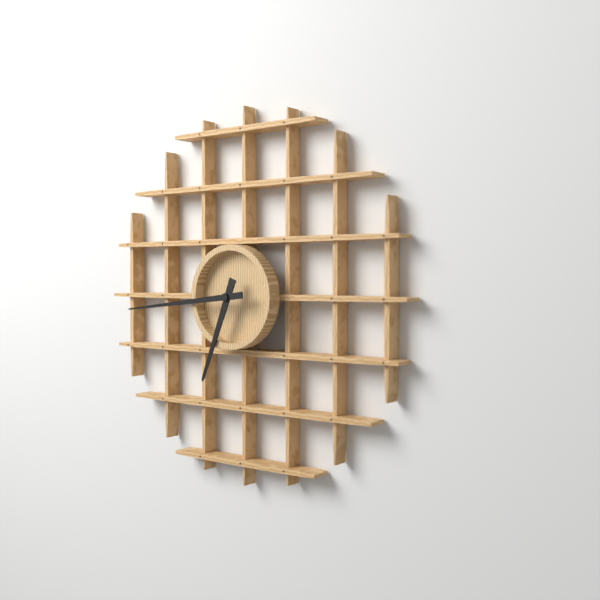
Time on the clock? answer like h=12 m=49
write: h=6 m=44
